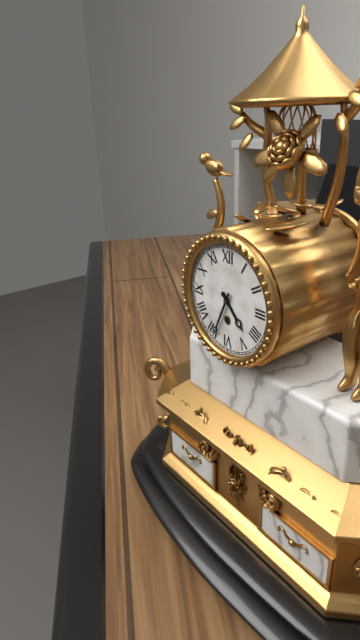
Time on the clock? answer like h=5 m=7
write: h=4 m=34
